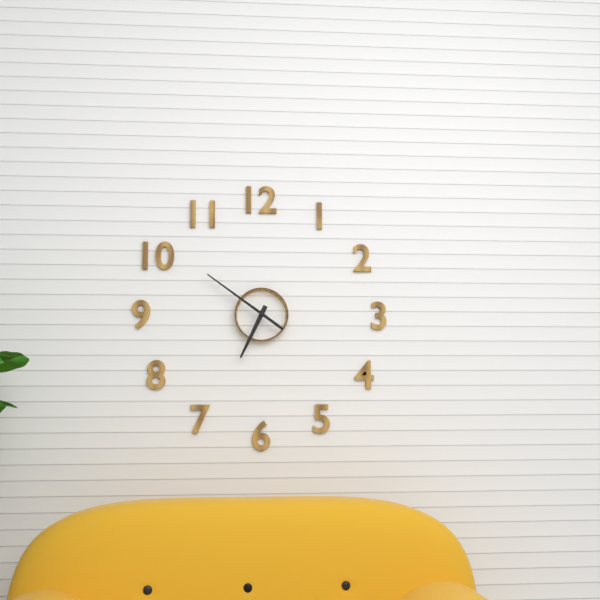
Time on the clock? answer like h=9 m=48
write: h=6 m=51
